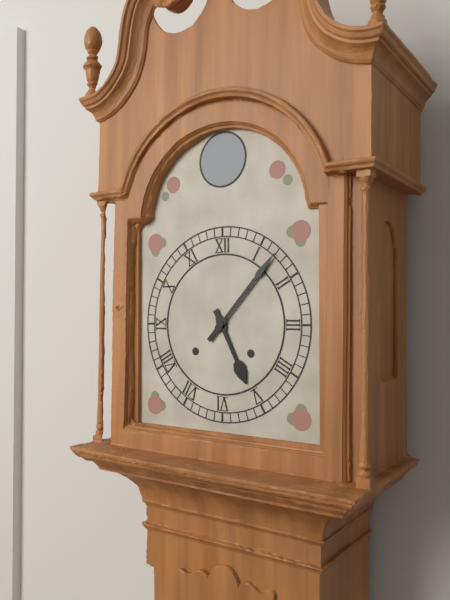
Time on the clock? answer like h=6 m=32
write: h=5 m=7
